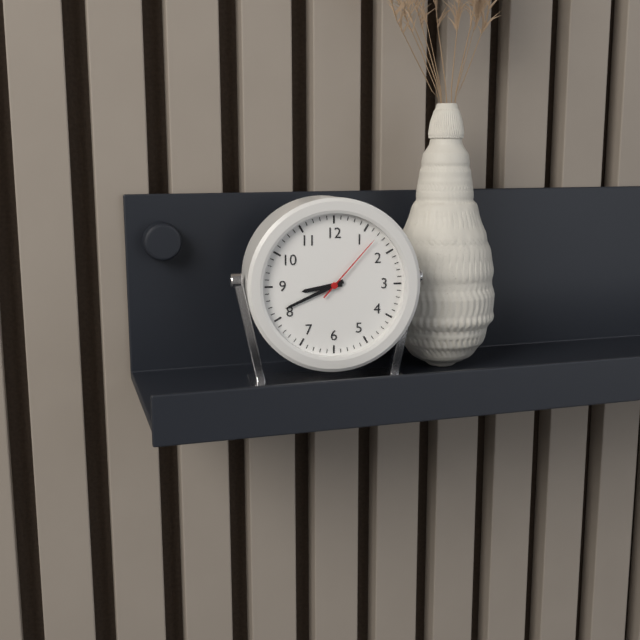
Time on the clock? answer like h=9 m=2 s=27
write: h=8 m=41 s=7
